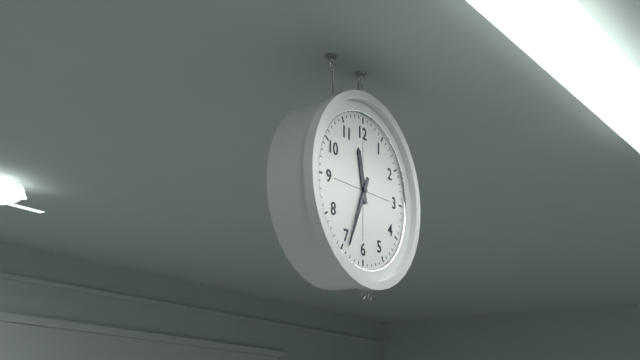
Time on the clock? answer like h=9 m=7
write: h=11 m=34
